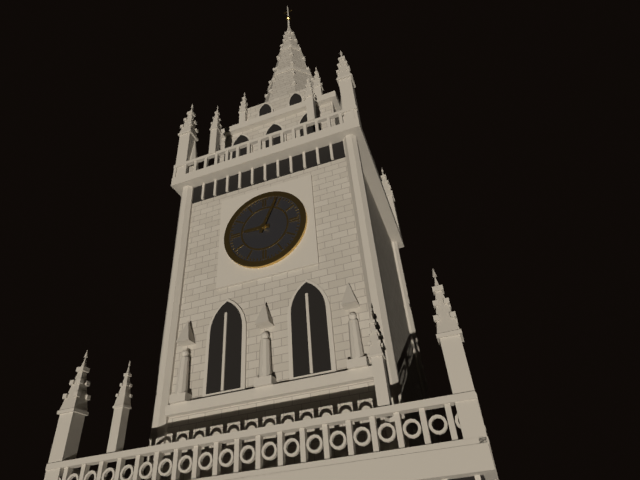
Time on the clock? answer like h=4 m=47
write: h=9 m=4
